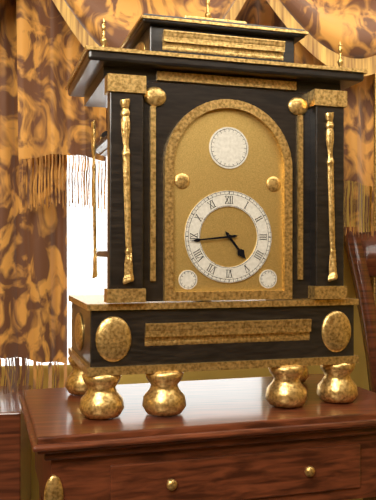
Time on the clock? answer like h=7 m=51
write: h=4 m=44
